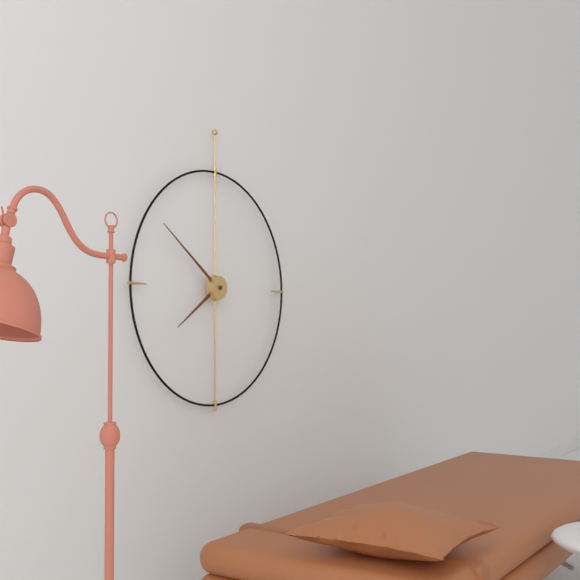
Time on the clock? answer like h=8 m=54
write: h=7 m=51
